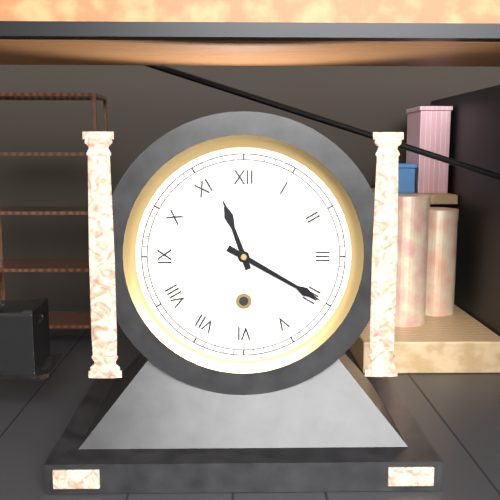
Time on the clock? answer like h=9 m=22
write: h=11 m=20
